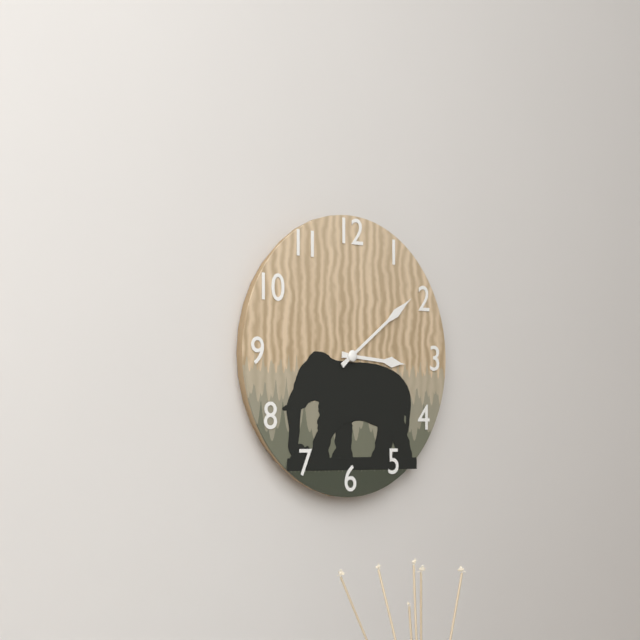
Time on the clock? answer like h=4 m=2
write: h=3 m=9
